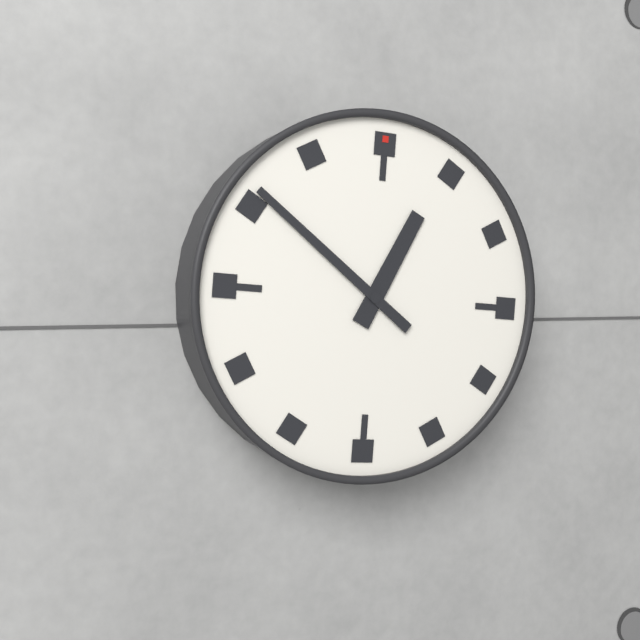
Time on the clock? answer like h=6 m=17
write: h=12 m=51
